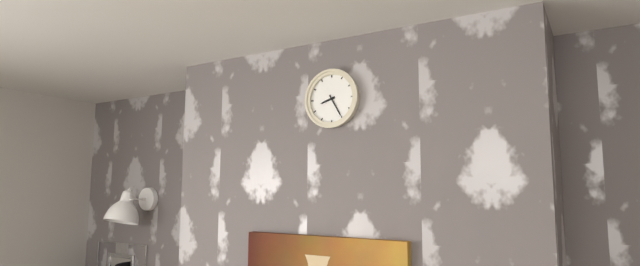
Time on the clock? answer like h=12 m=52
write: h=8 m=25
